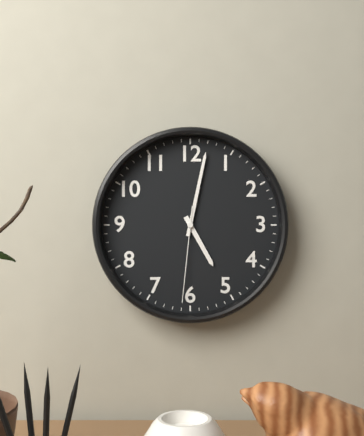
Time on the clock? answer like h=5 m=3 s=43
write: h=5 m=2 s=31
